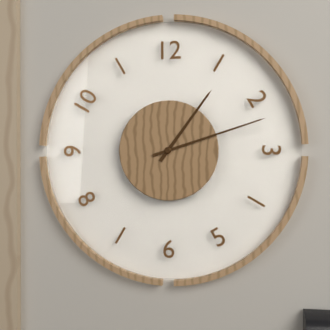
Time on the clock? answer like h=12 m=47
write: h=1 m=12
